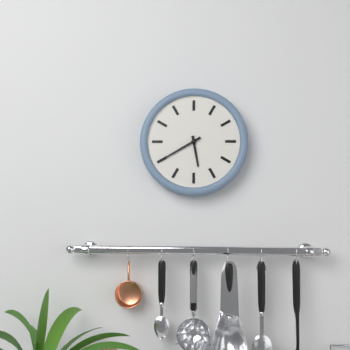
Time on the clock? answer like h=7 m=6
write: h=5 m=40
